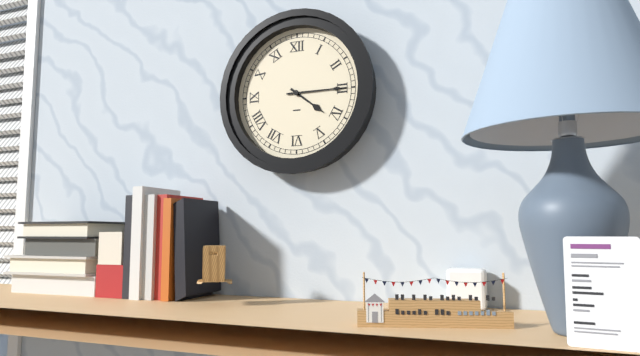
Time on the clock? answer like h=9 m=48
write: h=4 m=15
